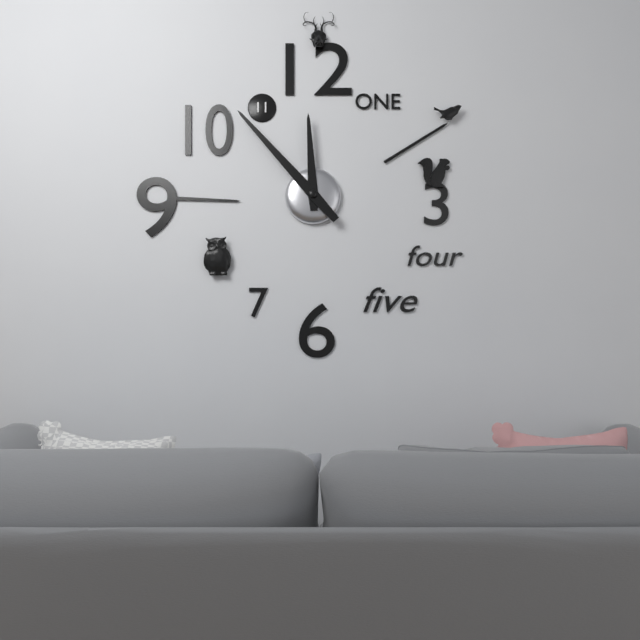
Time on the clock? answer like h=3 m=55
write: h=11 m=53
